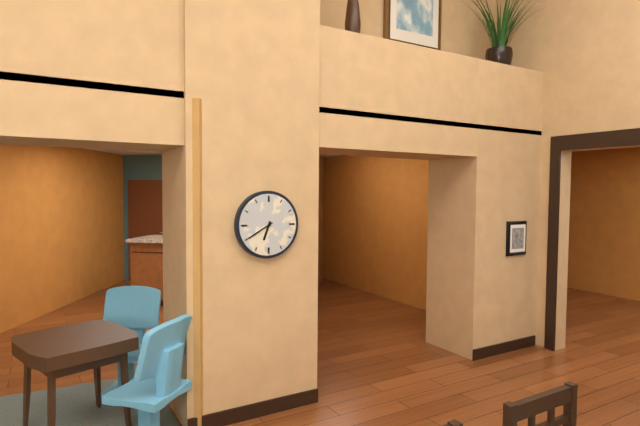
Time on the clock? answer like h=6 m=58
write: h=6 m=40
